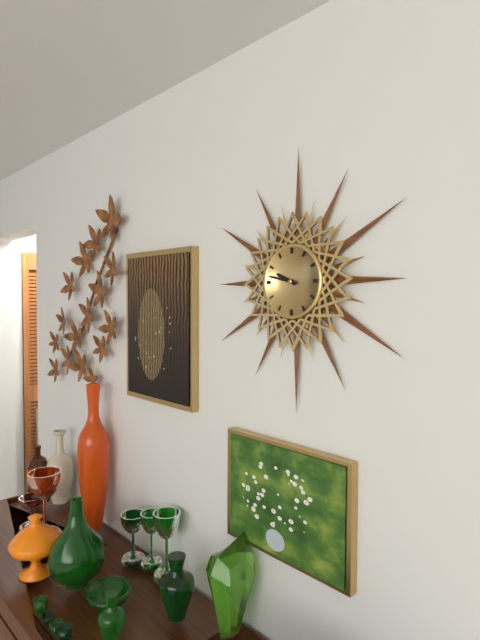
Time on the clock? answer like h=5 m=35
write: h=9 m=47
